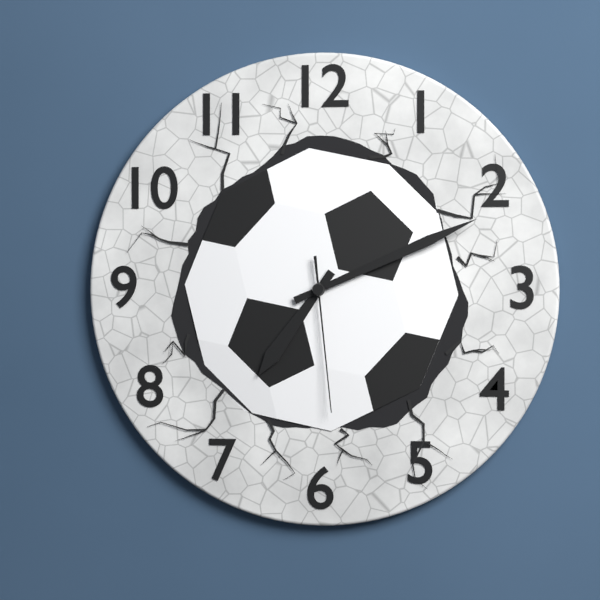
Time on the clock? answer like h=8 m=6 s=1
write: h=7 m=11 s=29
